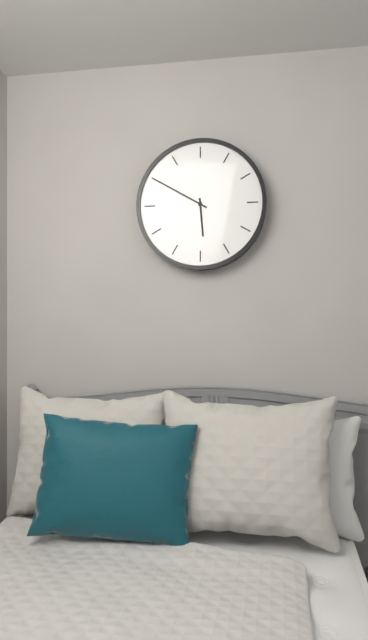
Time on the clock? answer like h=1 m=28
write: h=5 m=50
